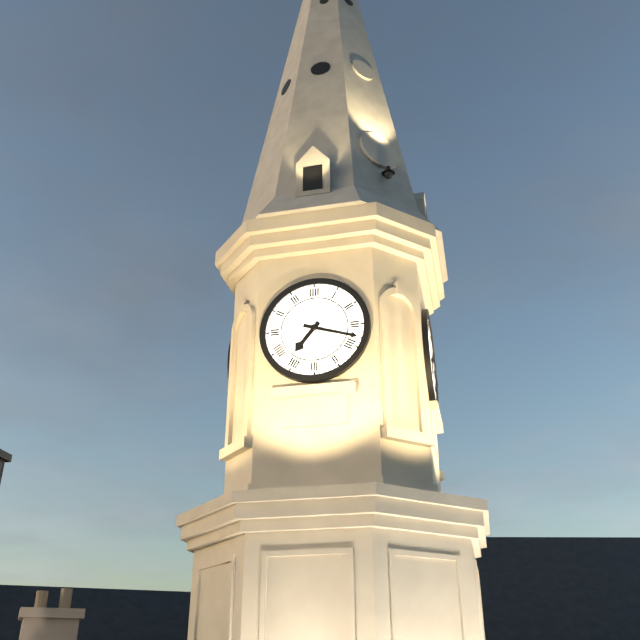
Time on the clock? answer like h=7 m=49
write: h=7 m=18
